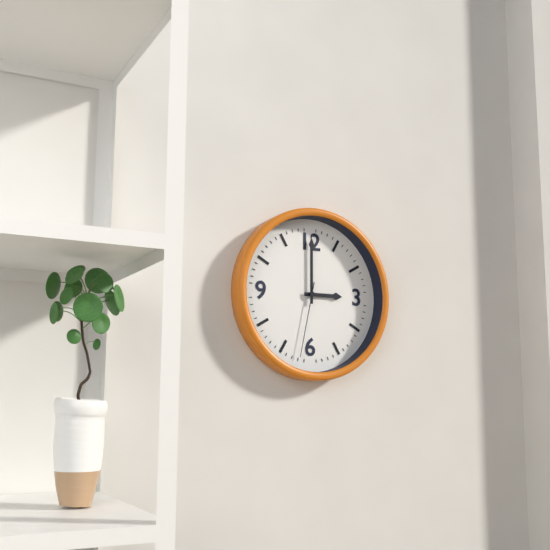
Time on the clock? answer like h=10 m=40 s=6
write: h=3 m=0 s=32
